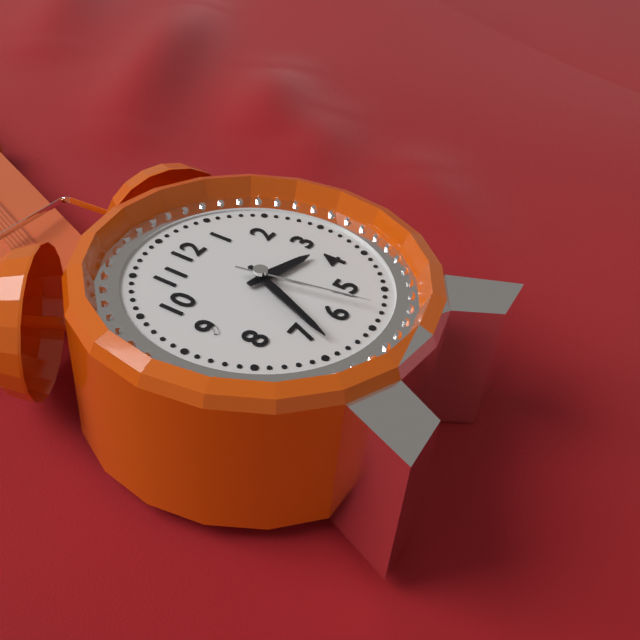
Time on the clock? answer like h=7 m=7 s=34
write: h=3 m=34 s=28
